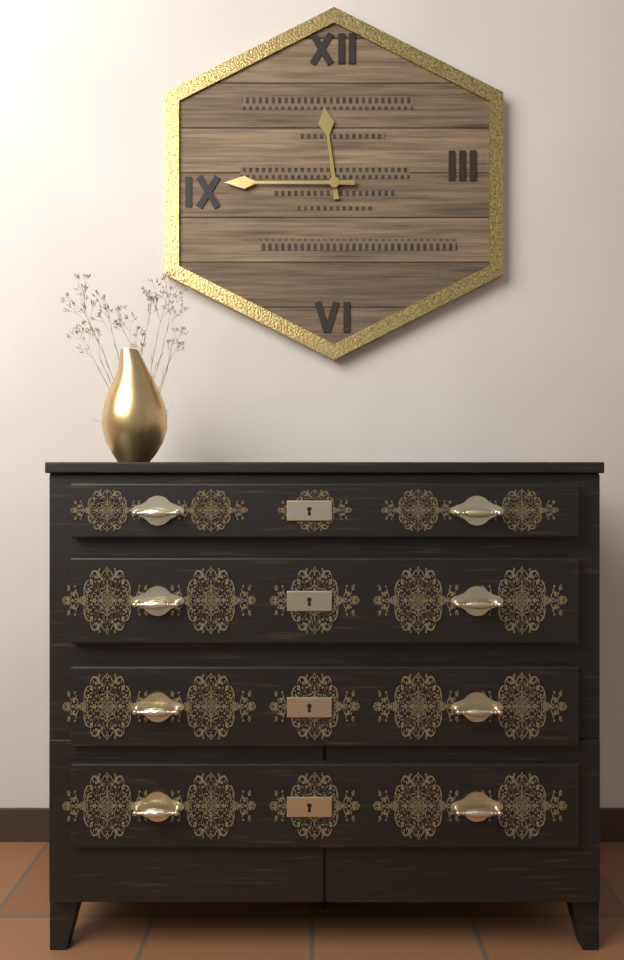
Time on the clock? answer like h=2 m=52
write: h=11 m=45
